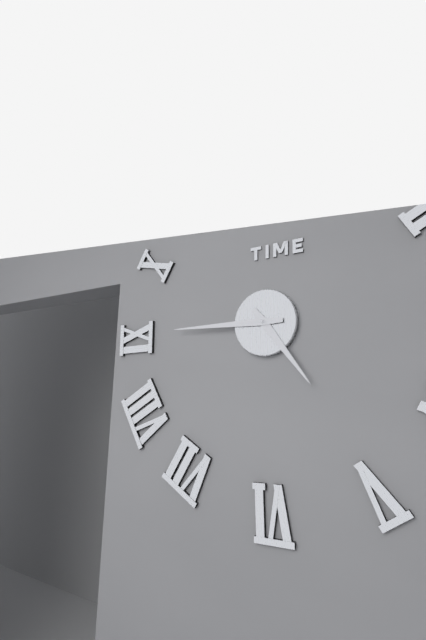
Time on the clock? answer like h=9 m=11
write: h=4 m=45
